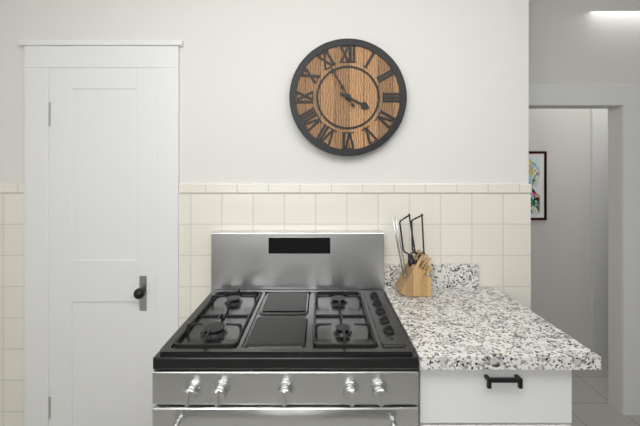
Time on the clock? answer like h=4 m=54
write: h=3 m=55
